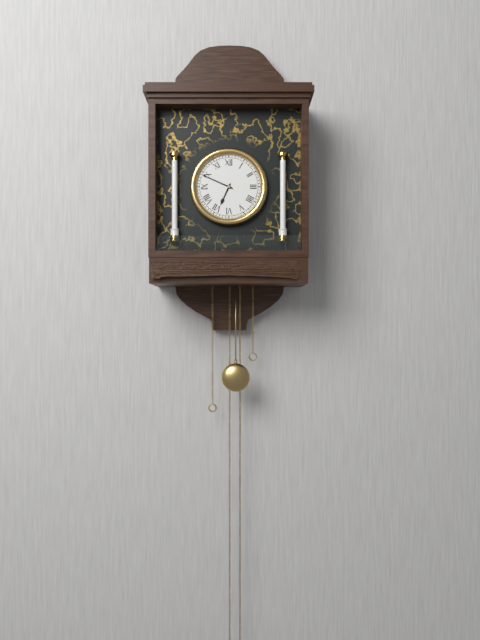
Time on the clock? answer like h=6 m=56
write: h=6 m=49
